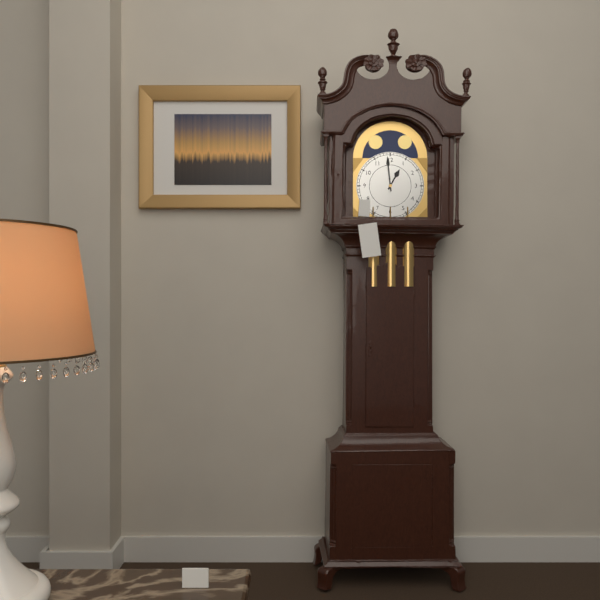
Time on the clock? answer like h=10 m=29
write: h=12 m=59
